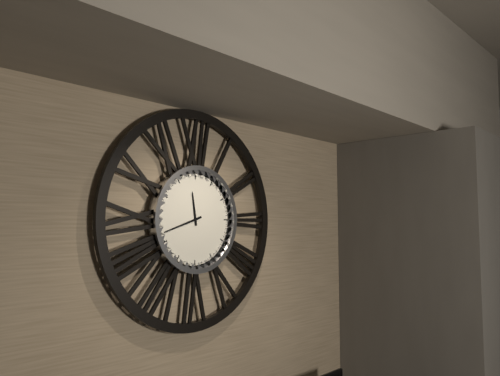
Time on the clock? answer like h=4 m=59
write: h=11 m=42
